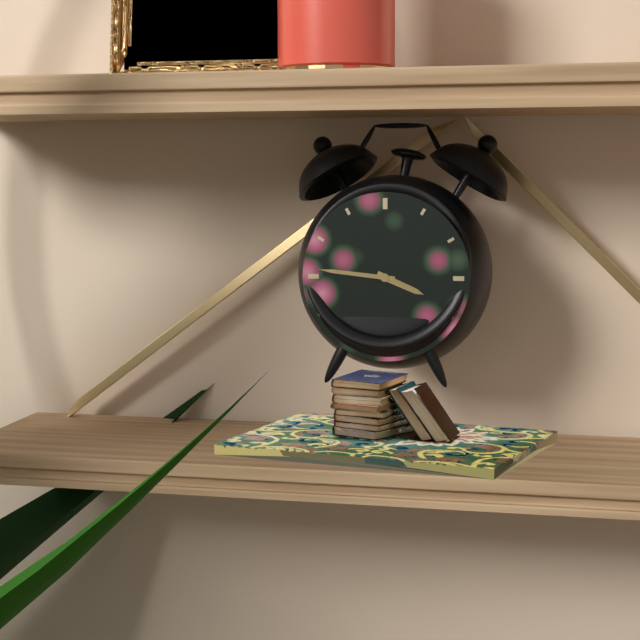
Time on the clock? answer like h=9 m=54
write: h=3 m=46
